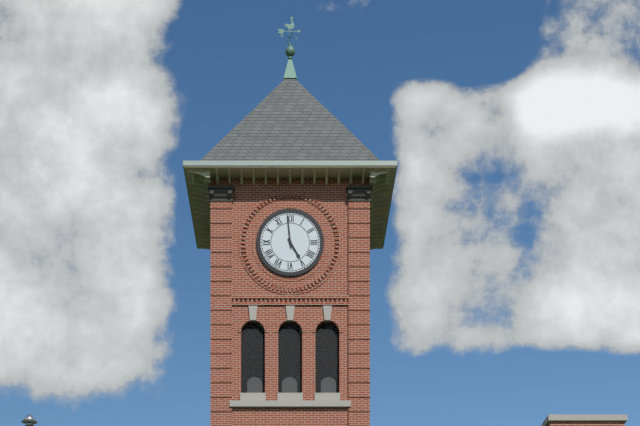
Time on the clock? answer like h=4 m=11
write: h=4 m=59
